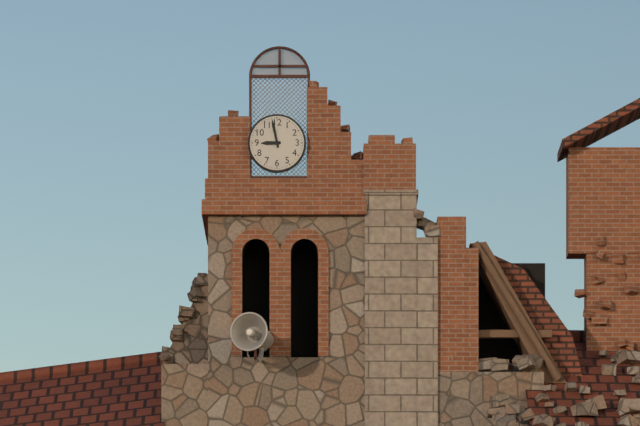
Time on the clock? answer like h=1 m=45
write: h=8 m=58
